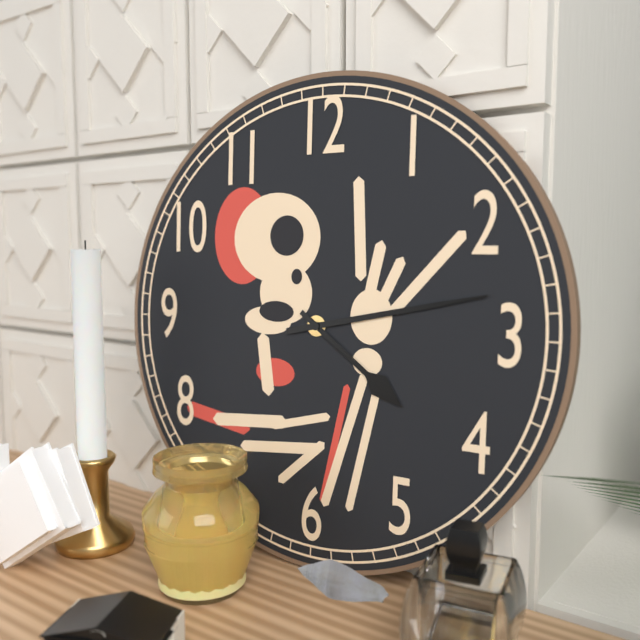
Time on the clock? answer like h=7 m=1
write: h=4 m=13
